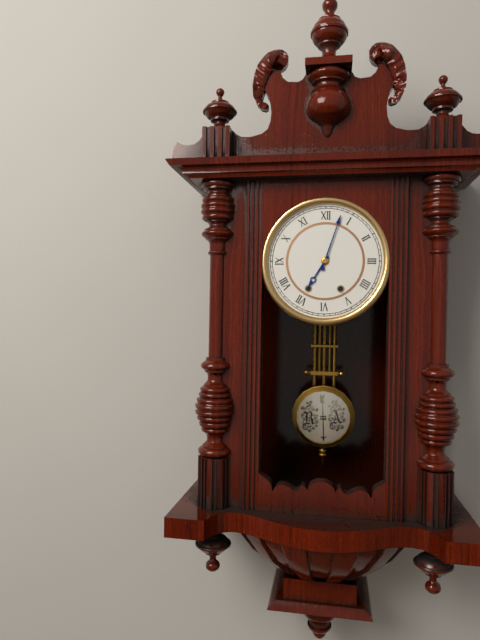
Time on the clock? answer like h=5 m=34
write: h=7 m=3
